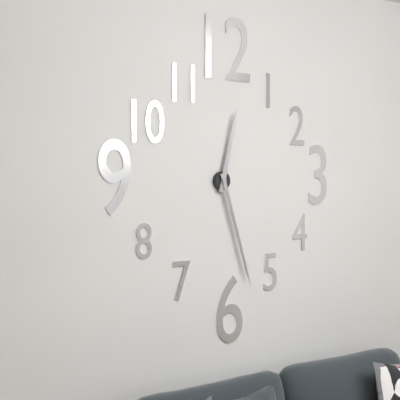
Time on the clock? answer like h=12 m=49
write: h=12 m=27
